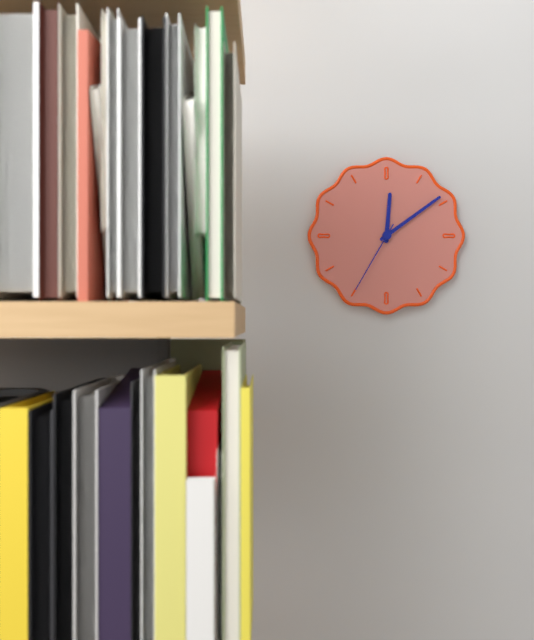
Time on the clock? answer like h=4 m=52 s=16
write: h=12 m=9 s=35
